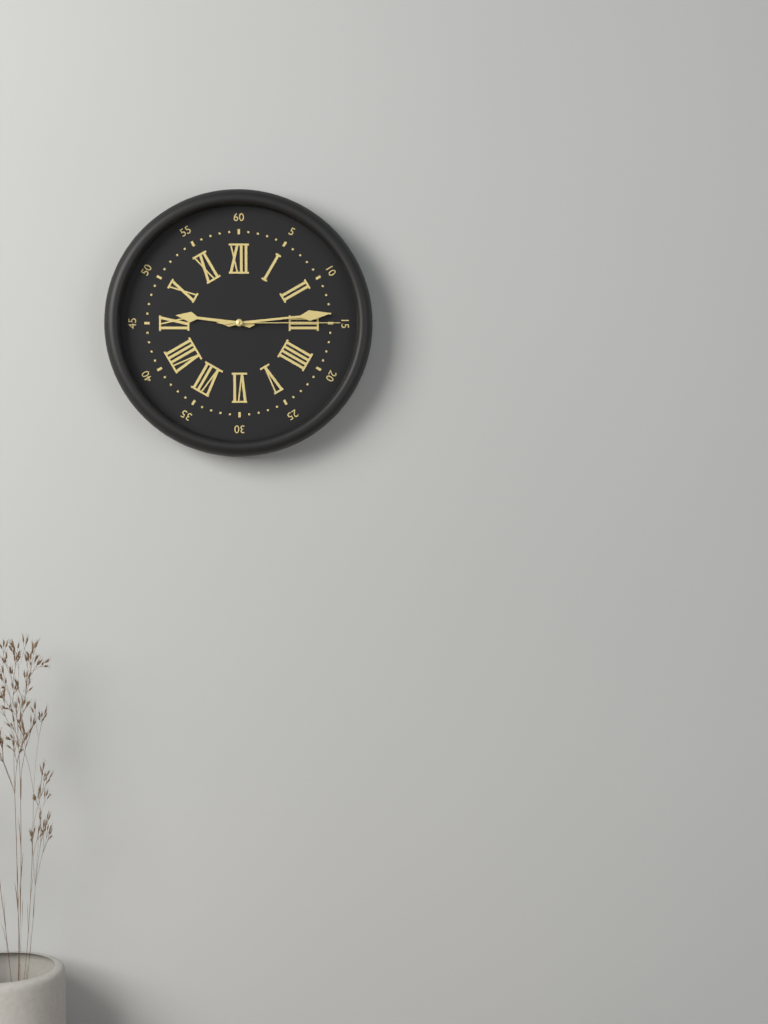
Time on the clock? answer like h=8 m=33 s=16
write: h=9 m=14 s=15
